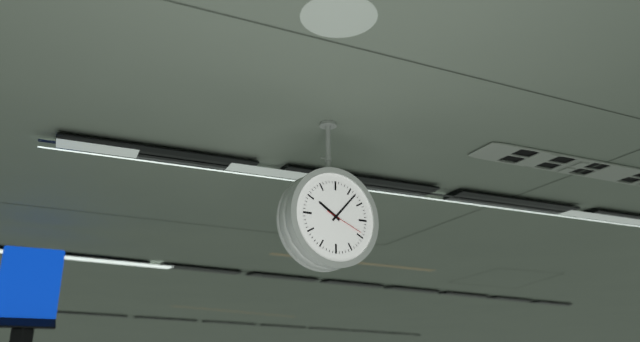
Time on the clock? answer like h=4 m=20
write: h=10 m=7
